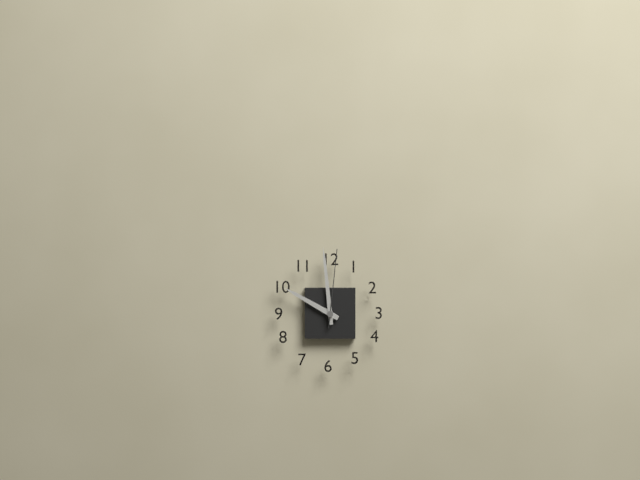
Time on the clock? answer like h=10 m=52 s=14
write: h=9 m=59 s=1
